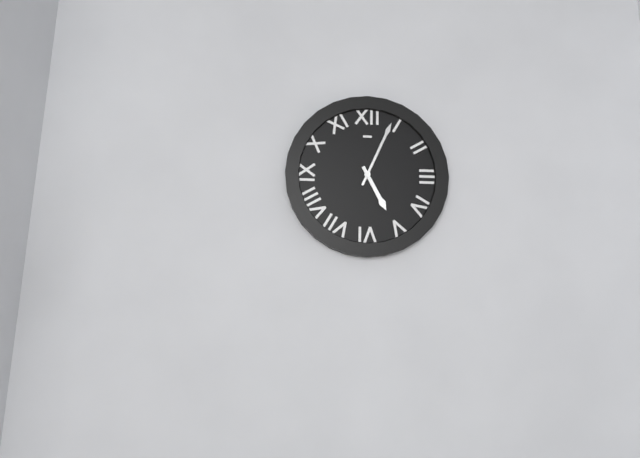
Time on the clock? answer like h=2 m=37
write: h=5 m=4
